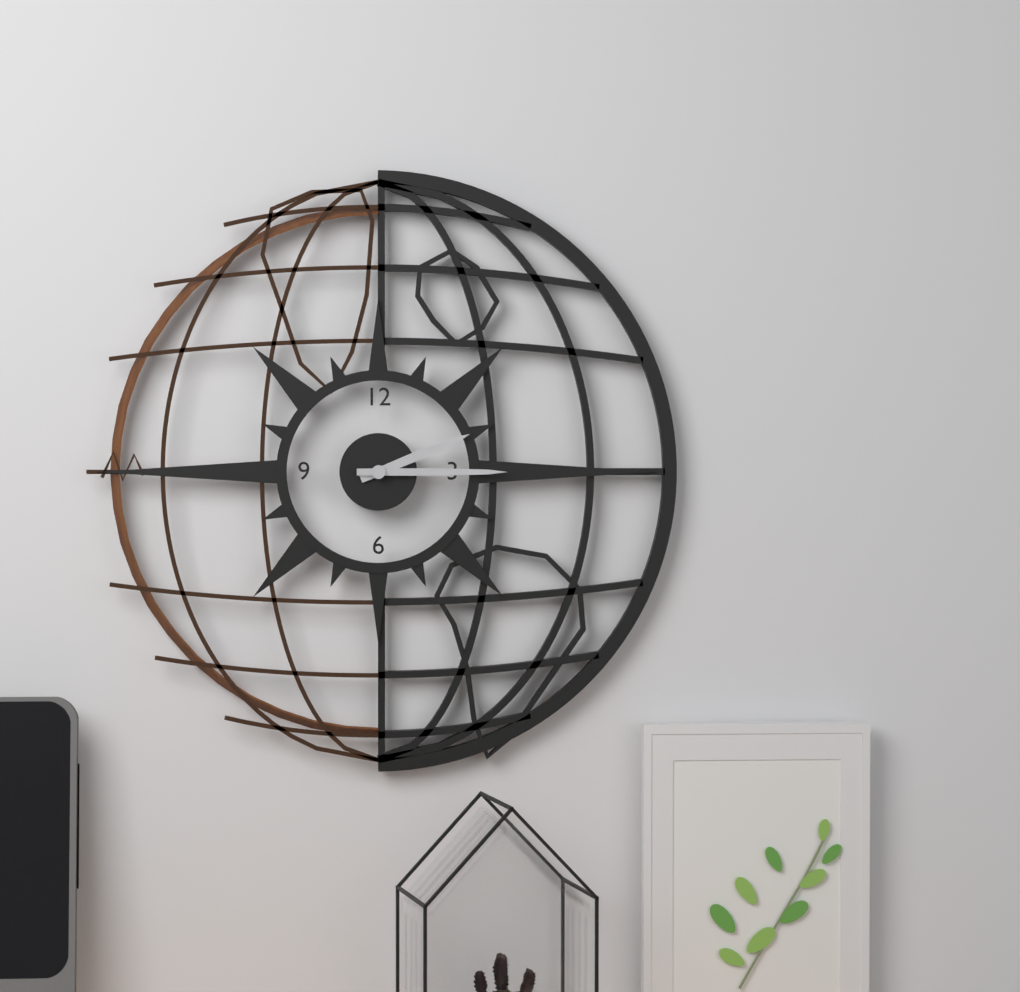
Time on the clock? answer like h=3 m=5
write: h=2 m=15
